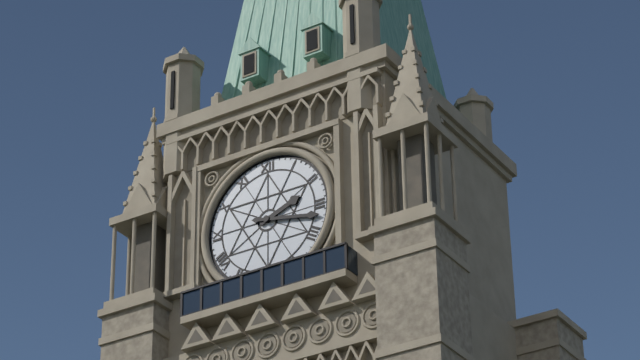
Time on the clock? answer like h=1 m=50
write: h=2 m=17
